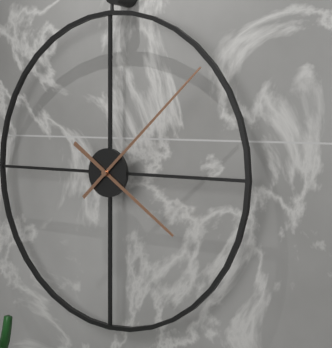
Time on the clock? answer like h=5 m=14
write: h=4 m=8
